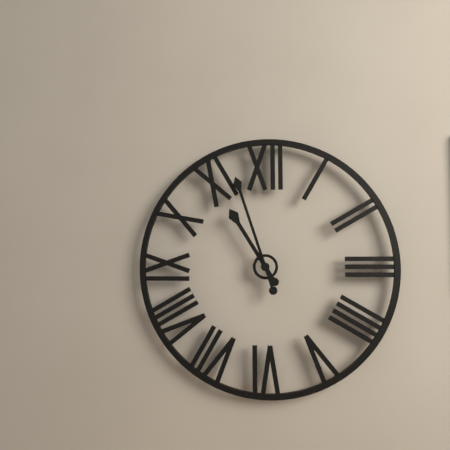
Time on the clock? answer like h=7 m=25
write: h=10 m=57
